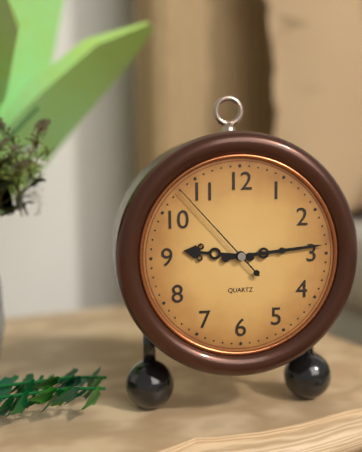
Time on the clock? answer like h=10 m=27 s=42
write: h=9 m=14 s=53
